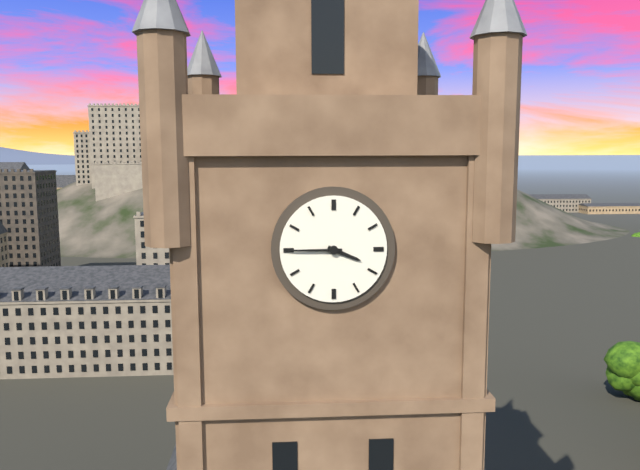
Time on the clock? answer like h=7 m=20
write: h=3 m=45
